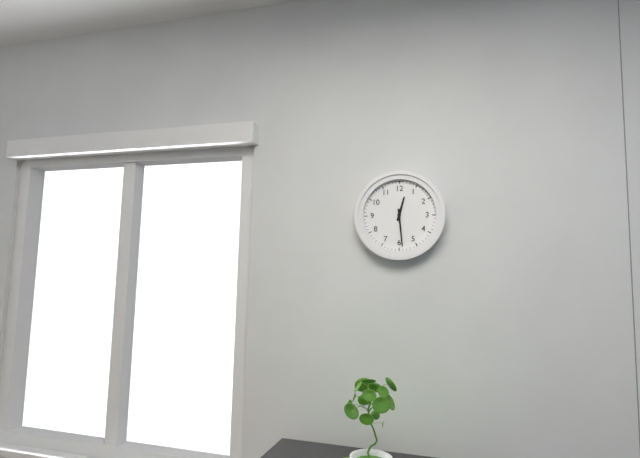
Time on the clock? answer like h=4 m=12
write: h=12 m=29
